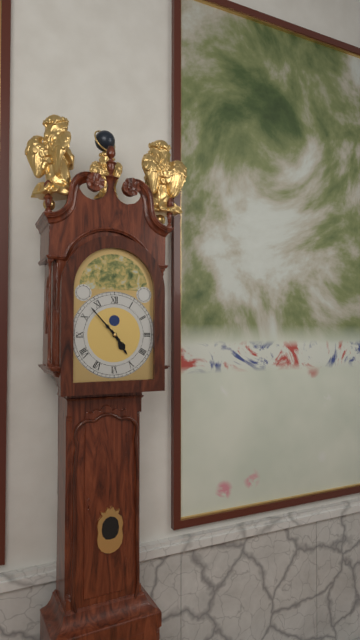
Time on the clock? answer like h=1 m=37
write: h=4 m=53
